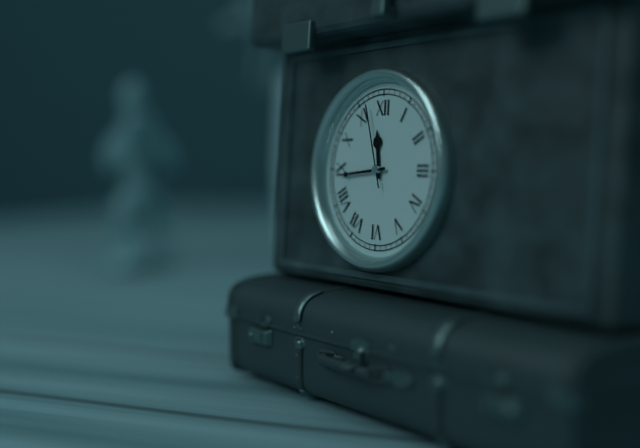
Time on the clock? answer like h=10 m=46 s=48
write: h=11 m=44 s=57
